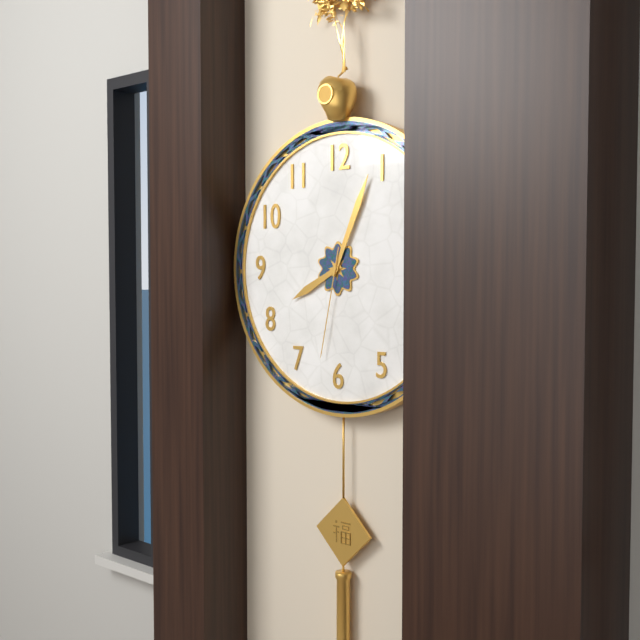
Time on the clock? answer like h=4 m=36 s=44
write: h=8 m=4 s=32
